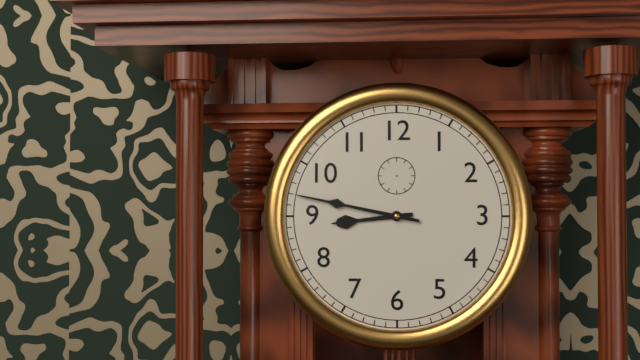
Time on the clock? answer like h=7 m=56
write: h=8 m=47
